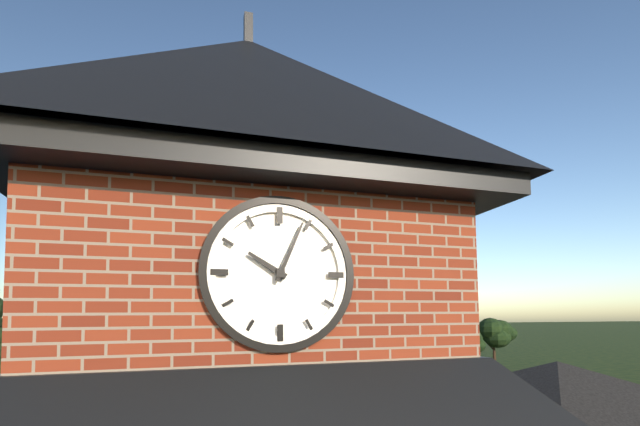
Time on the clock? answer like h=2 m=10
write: h=10 m=4
